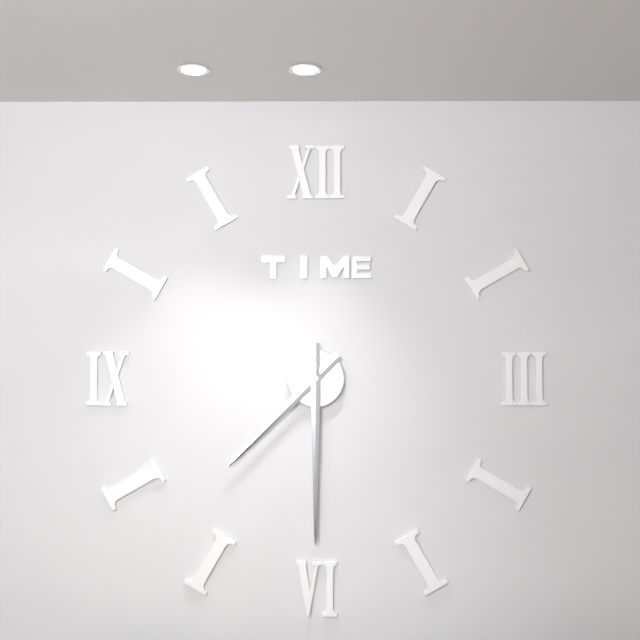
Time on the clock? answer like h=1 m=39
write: h=7 m=30
